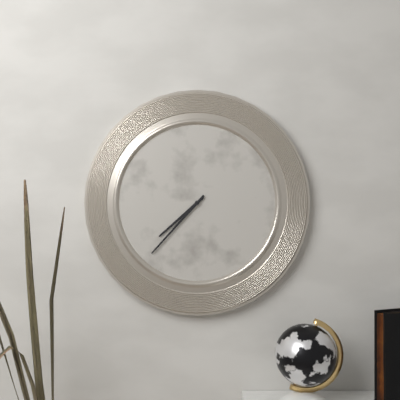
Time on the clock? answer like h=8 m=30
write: h=7 m=37
